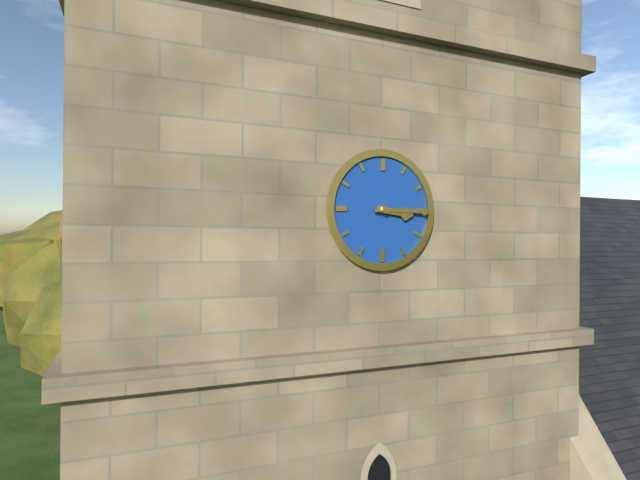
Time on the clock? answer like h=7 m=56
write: h=3 m=15
